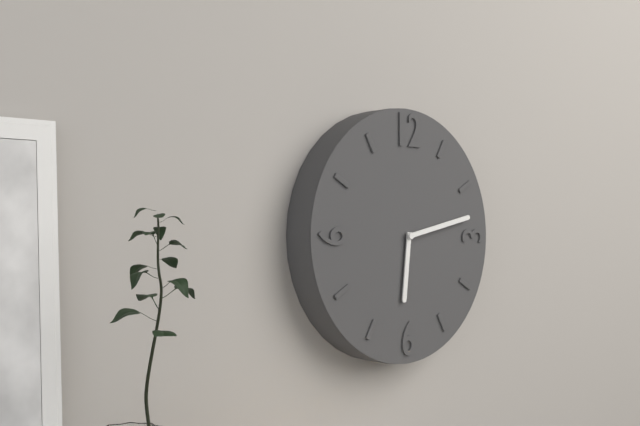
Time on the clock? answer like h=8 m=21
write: h=6 m=13
